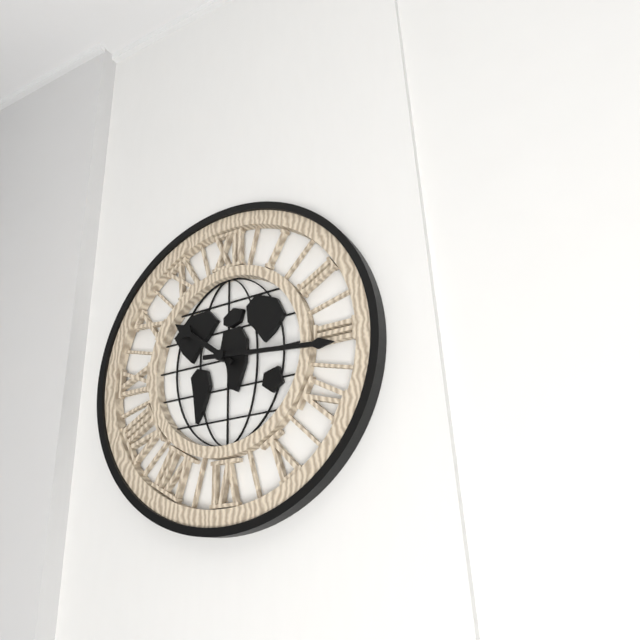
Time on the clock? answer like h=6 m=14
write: h=10 m=16
